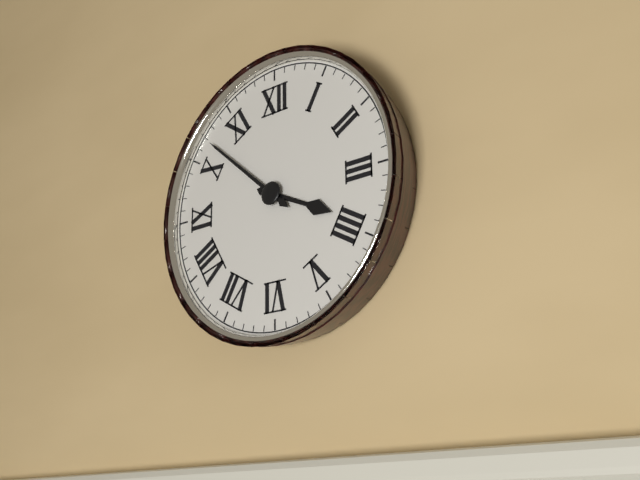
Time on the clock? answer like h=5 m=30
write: h=3 m=52
